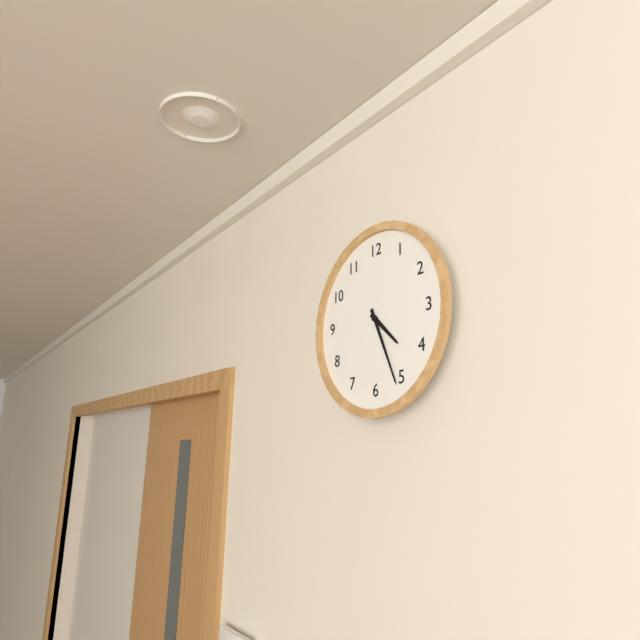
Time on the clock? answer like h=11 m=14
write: h=4 m=26
